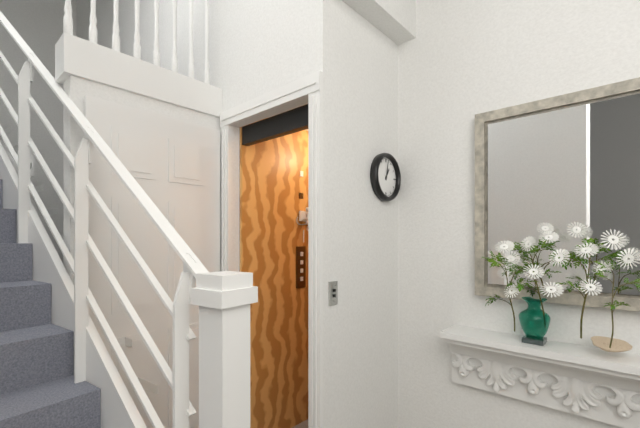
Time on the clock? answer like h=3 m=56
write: h=1 m=2
